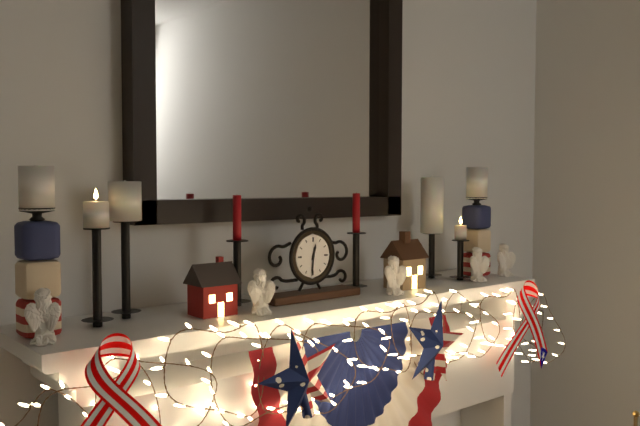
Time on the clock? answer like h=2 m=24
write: h=12 m=31
